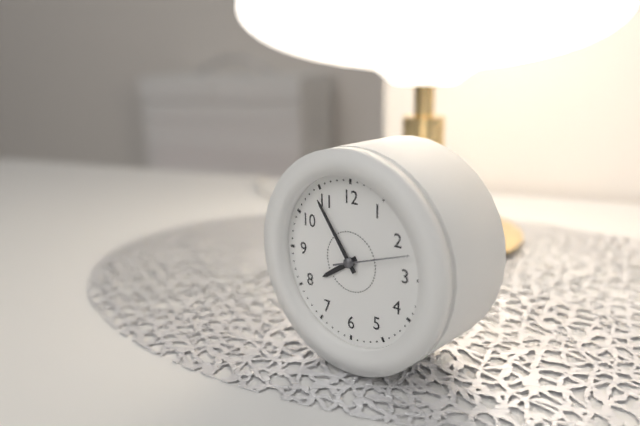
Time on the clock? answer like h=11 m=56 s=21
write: h=7 m=54 s=12
